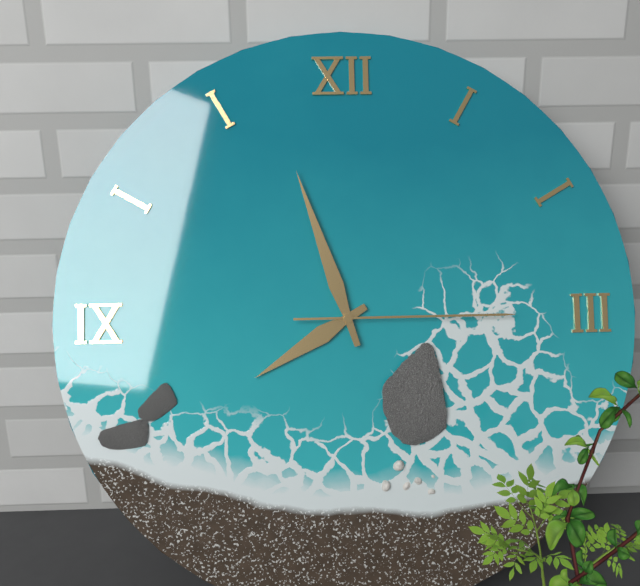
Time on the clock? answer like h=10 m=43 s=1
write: h=7 m=57 s=15
